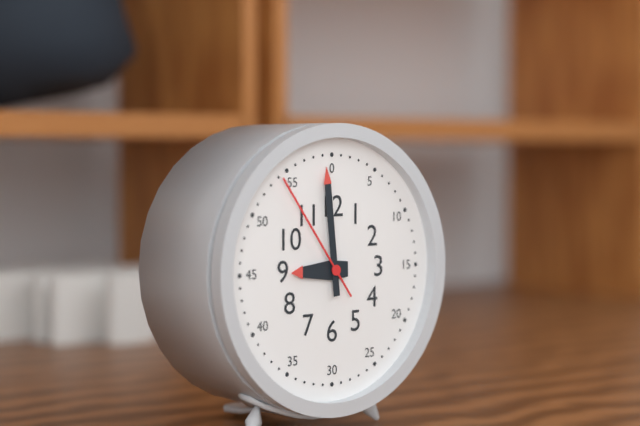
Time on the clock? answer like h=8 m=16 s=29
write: h=8 m=59 s=54
